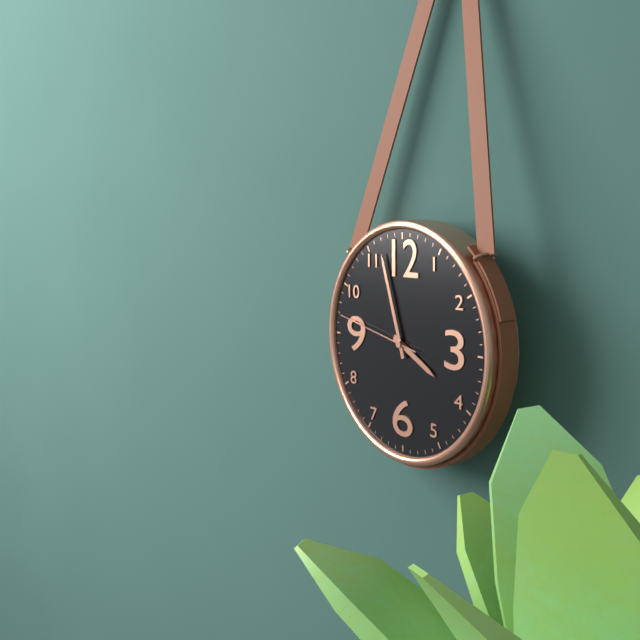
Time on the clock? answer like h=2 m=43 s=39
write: h=3 m=57 s=47
